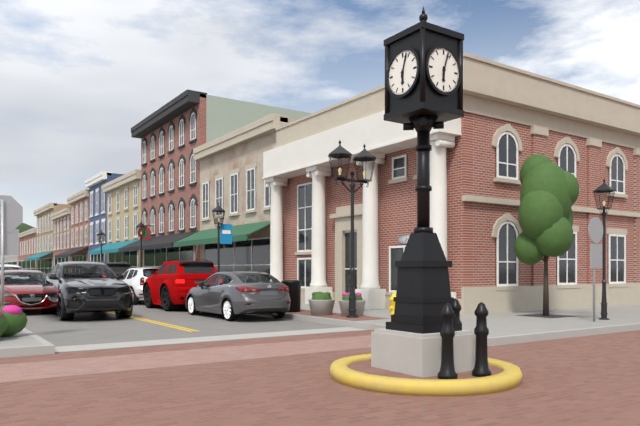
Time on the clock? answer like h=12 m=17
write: h=6 m=3
